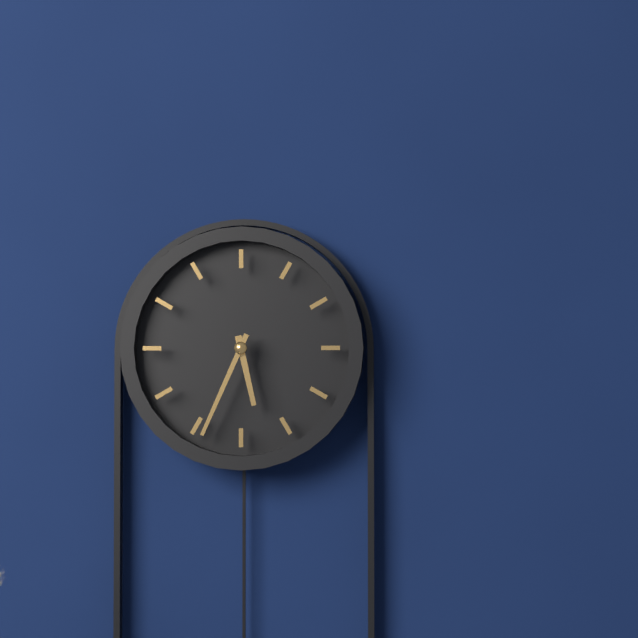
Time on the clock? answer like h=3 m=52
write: h=5 m=34
